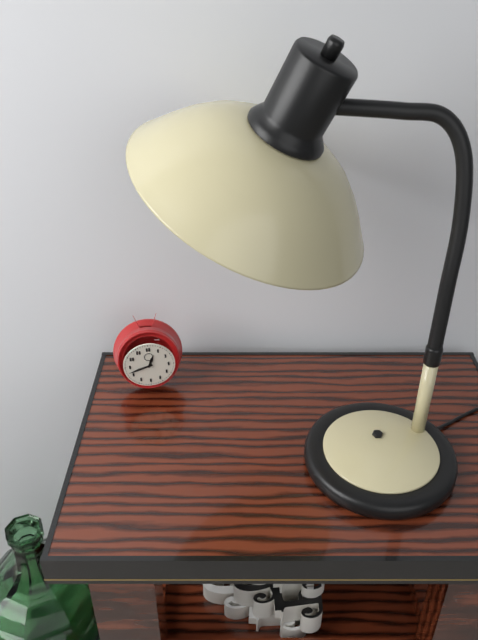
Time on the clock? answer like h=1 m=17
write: h=12 m=42
